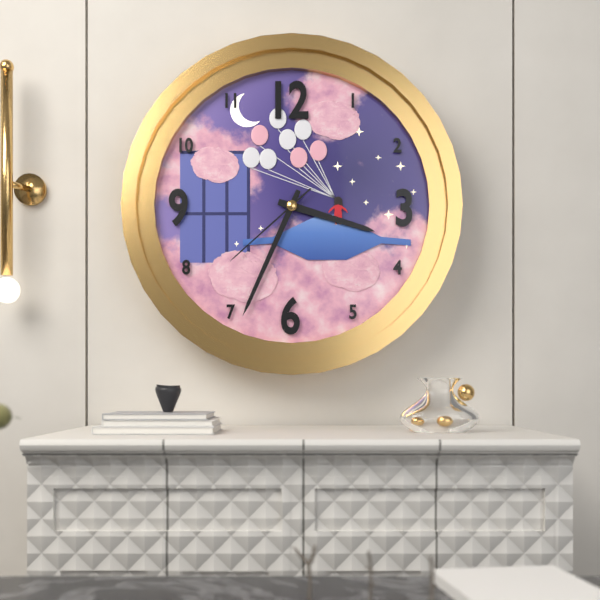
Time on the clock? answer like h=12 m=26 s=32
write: h=3 m=34 s=38
